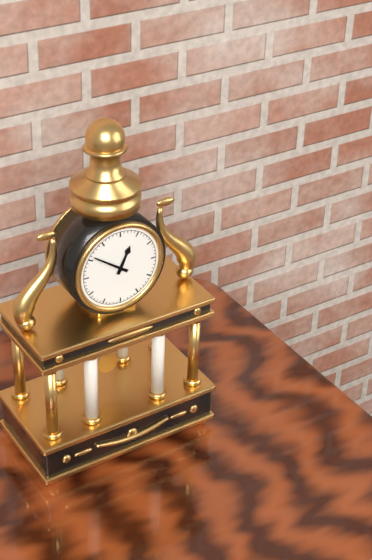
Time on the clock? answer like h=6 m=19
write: h=12 m=51
